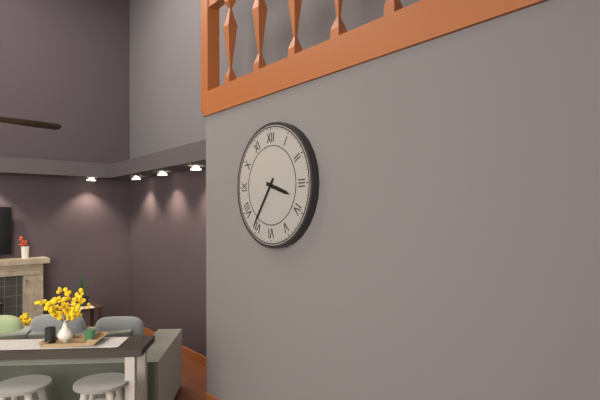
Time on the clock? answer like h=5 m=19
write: h=3 m=36
